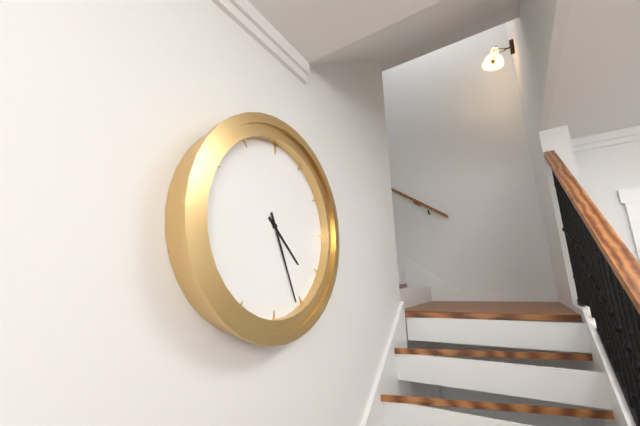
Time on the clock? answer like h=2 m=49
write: h=4 m=26
